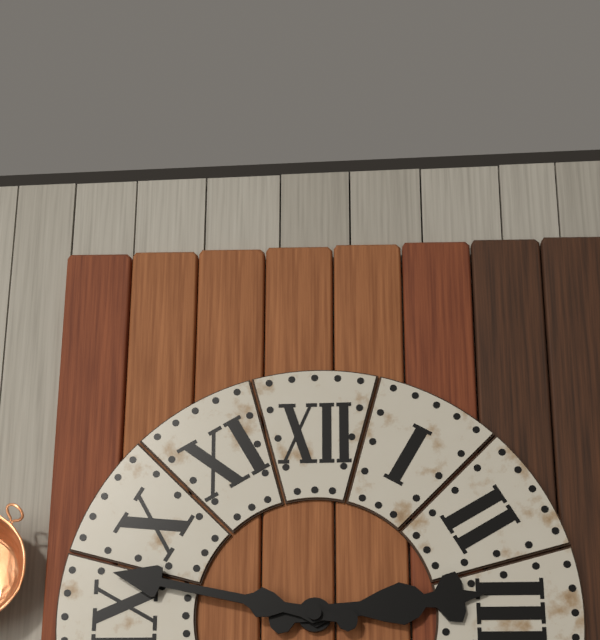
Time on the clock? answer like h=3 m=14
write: h=2 m=47
